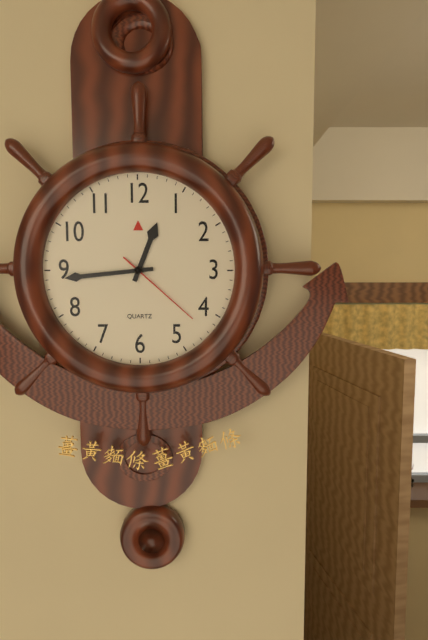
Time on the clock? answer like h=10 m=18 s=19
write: h=12 m=44 s=22
